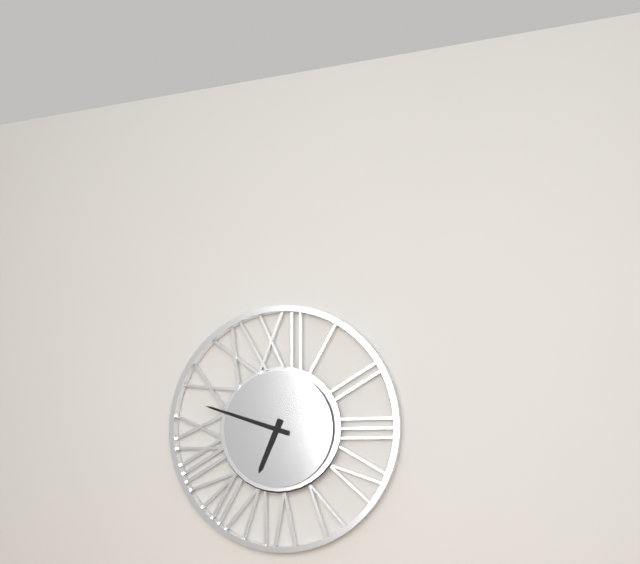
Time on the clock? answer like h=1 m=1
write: h=6 m=48
